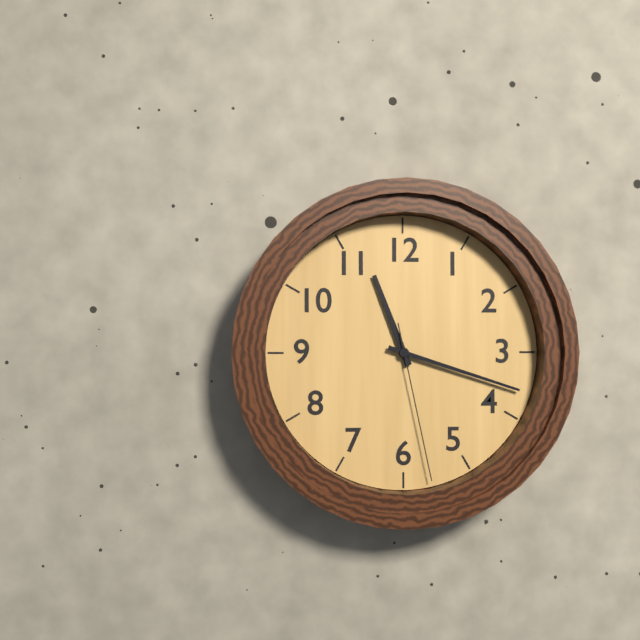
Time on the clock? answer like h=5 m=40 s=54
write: h=11 m=18 s=28
